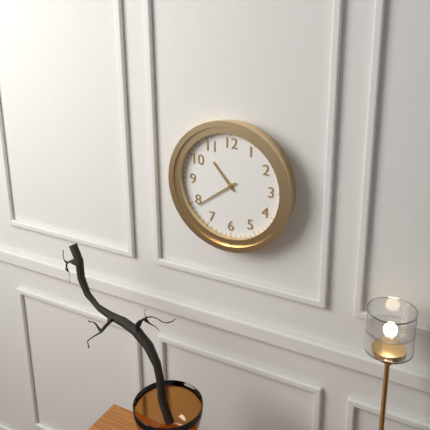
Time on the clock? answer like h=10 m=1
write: h=10 m=39
